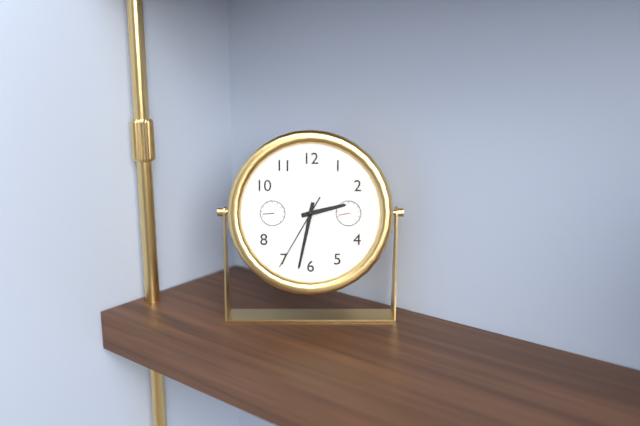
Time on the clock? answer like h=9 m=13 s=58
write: h=2 m=32 s=35
